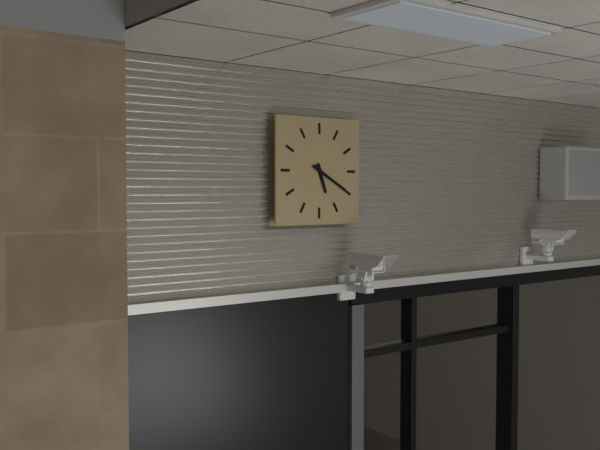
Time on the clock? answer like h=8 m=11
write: h=5 m=20
